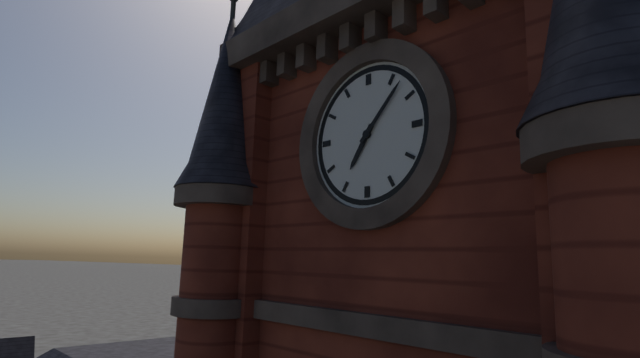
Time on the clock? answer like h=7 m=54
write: h=7 m=7
